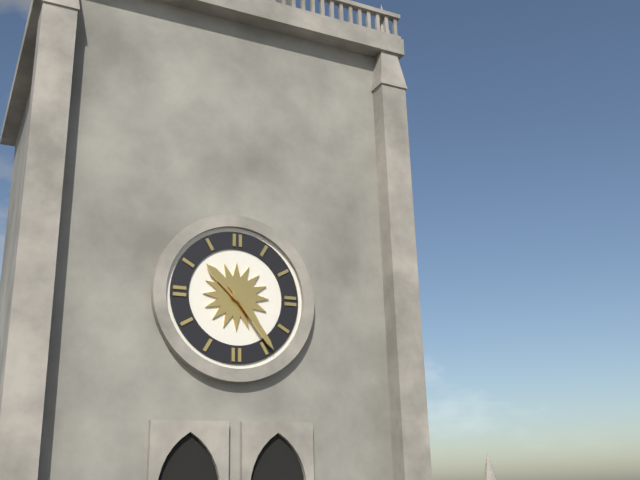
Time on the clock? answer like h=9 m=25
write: h=10 m=24
